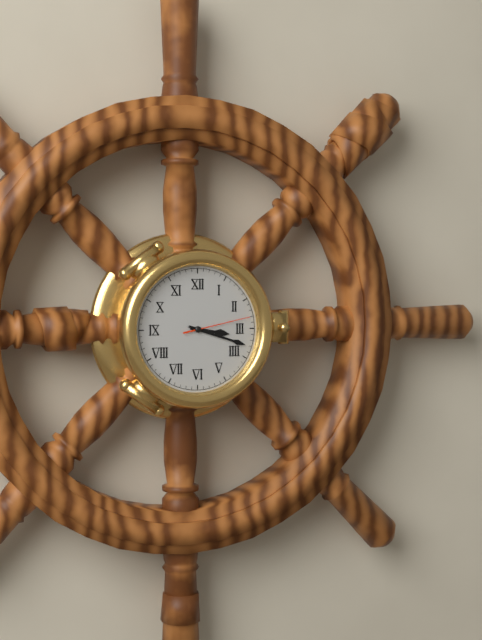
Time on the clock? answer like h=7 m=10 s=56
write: h=3 m=18 s=13
